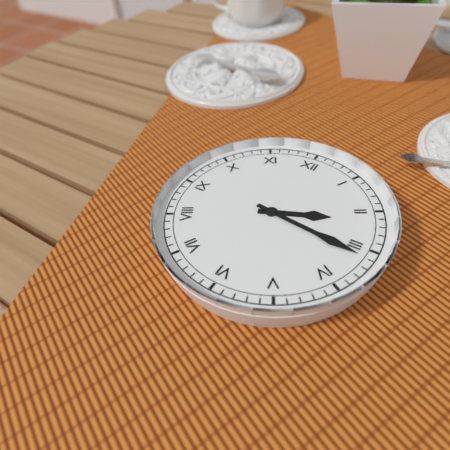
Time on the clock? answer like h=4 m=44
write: h=2 m=16
